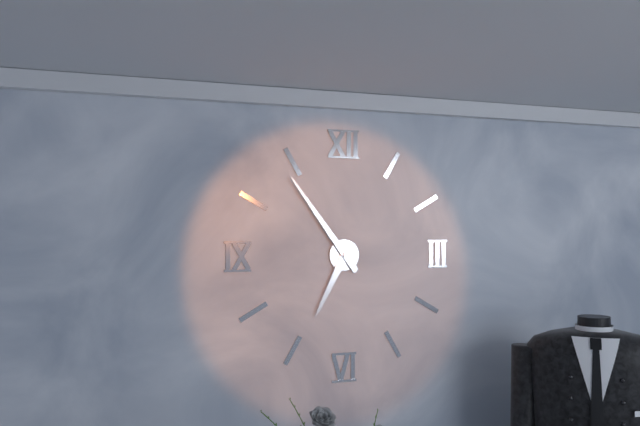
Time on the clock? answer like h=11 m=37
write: h=6 m=54
